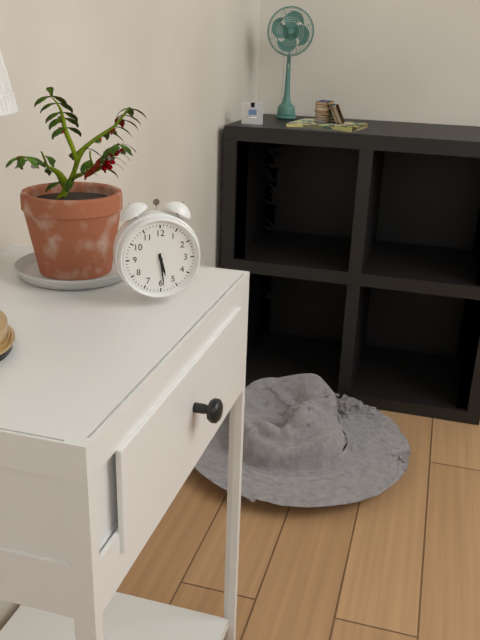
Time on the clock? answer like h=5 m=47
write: h=5 m=29
